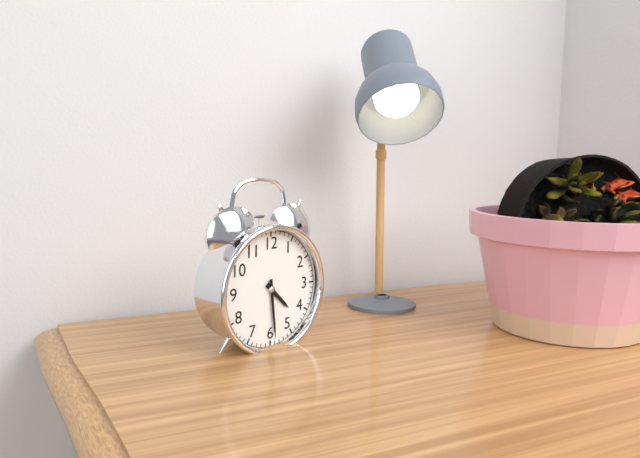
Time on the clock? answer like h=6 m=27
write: h=4 m=29
